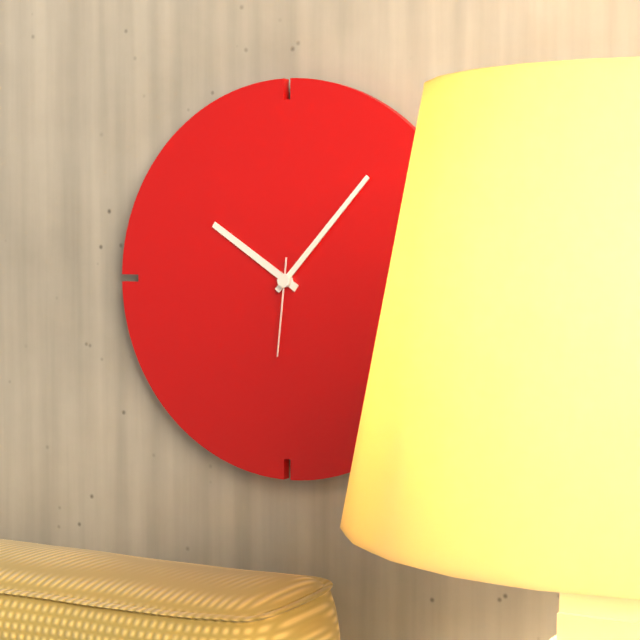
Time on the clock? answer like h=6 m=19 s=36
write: h=10 m=7 s=31
